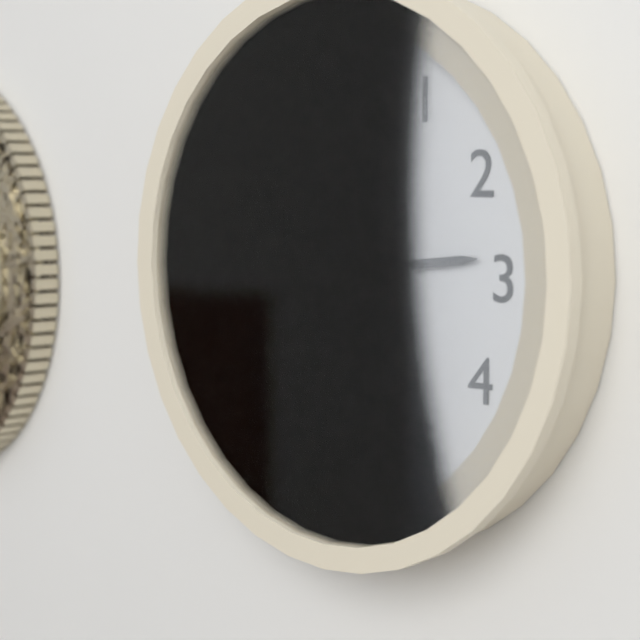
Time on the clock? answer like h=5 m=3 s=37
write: h=5 m=14 s=46
